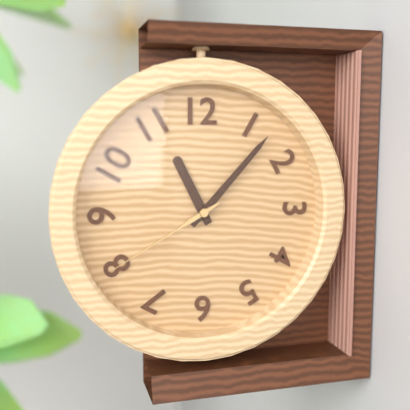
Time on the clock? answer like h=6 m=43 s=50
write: h=11 m=7 s=40
